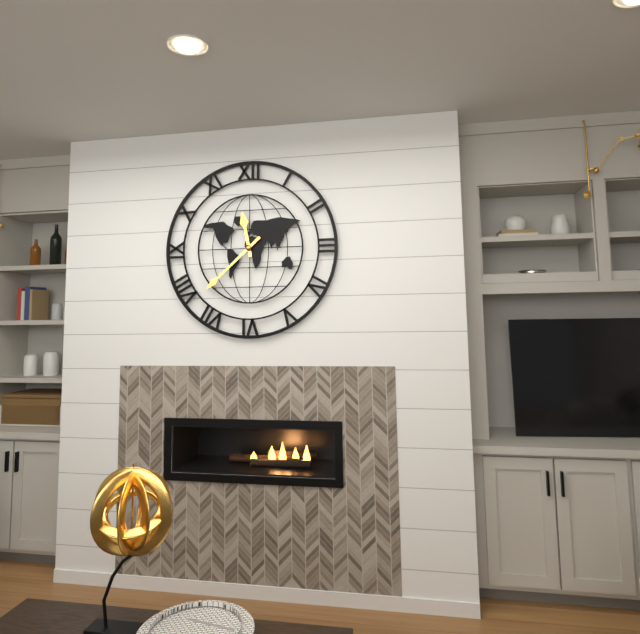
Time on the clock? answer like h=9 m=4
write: h=11 m=38
